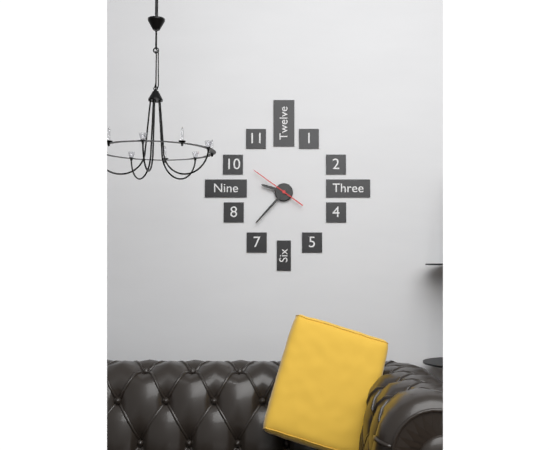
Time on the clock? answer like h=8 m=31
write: h=9 m=37
